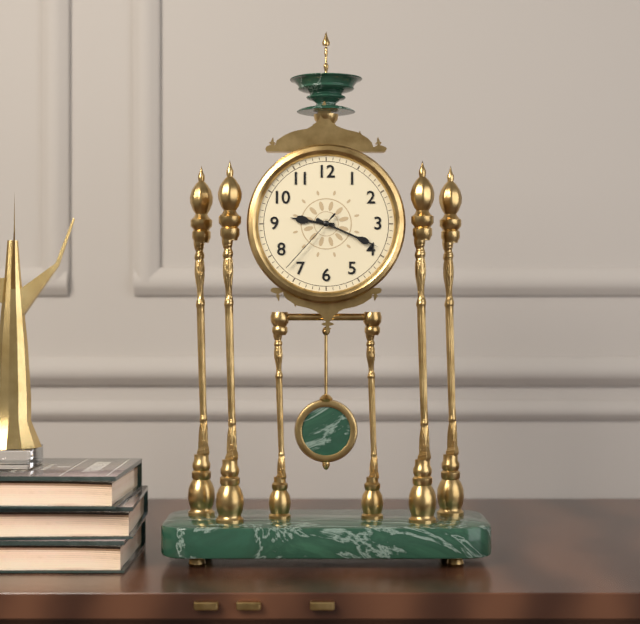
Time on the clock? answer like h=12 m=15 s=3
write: h=9 m=19 s=37
